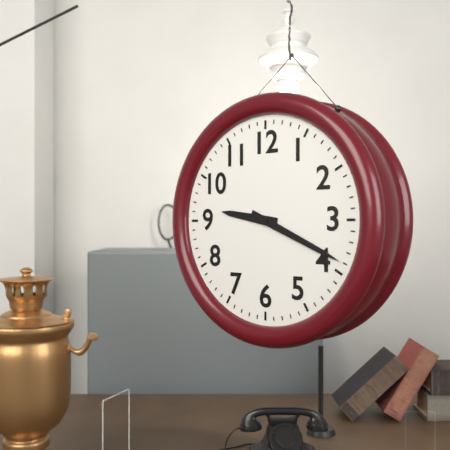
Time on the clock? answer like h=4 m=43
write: h=9 m=19
